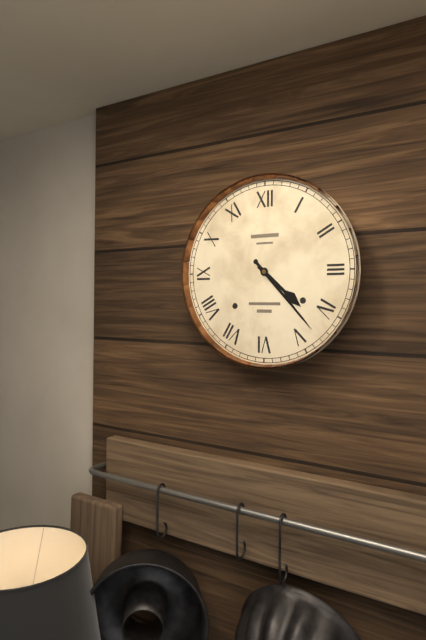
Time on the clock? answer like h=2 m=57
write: h=4 m=23
